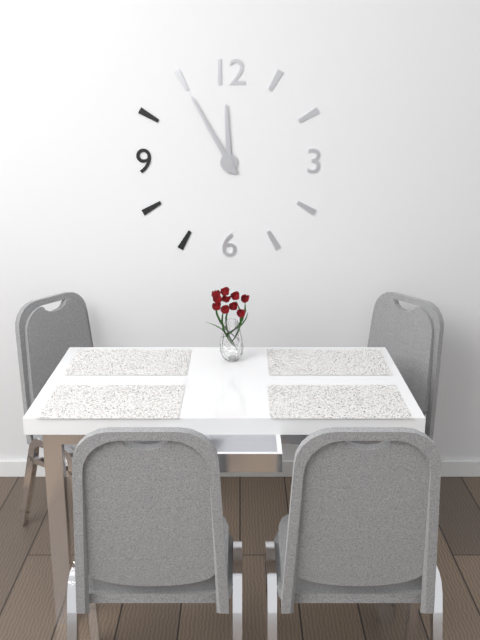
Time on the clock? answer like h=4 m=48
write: h=11 m=55
